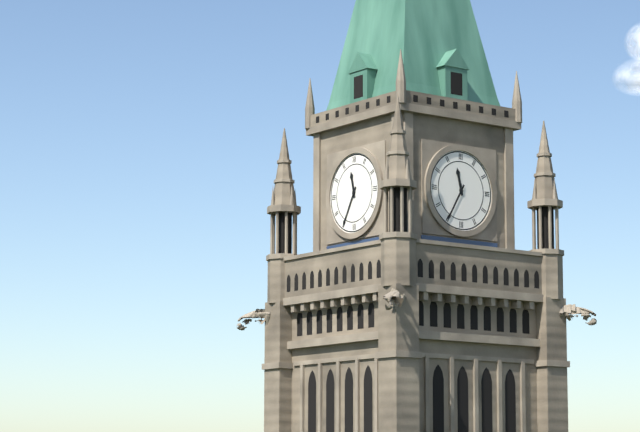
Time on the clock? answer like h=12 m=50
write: h=11 m=35
